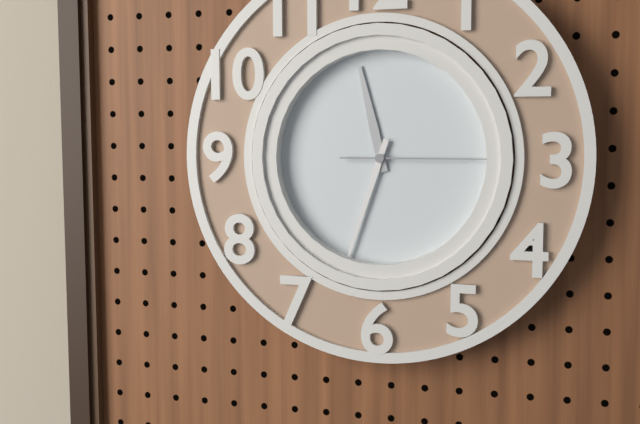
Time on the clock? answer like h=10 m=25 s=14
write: h=11 m=33 s=15
